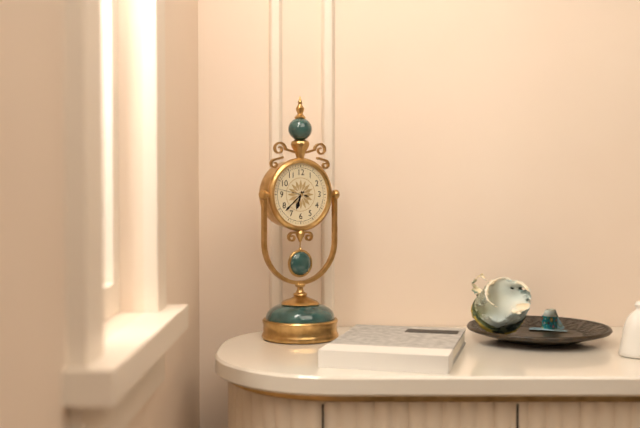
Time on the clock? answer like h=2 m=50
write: h=6 m=38
